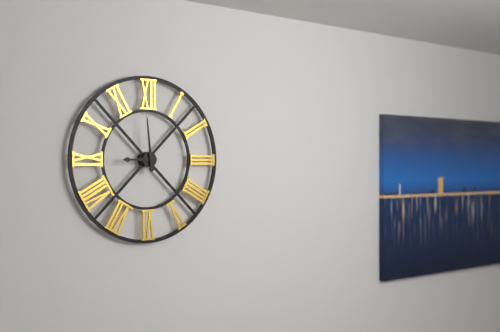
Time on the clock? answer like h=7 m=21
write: h=8 m=59
